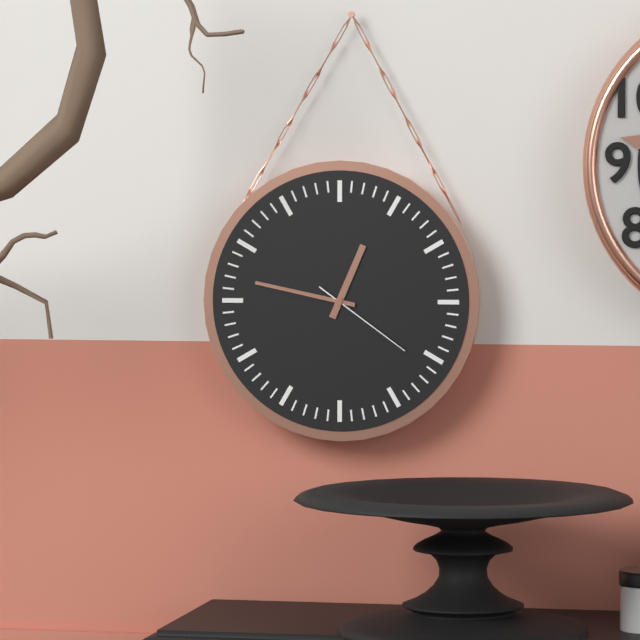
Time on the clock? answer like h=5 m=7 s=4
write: h=12 m=47 s=21
